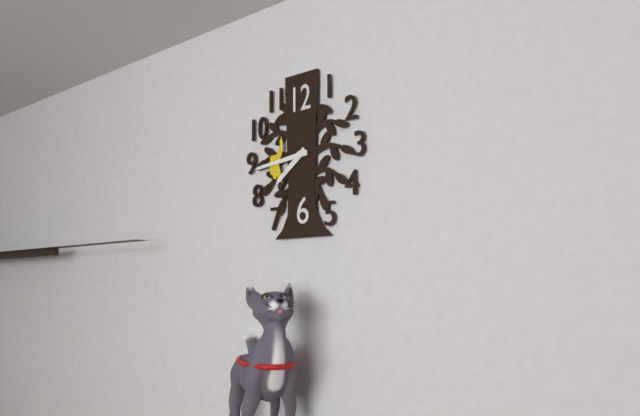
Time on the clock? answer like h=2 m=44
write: h=7 m=44
